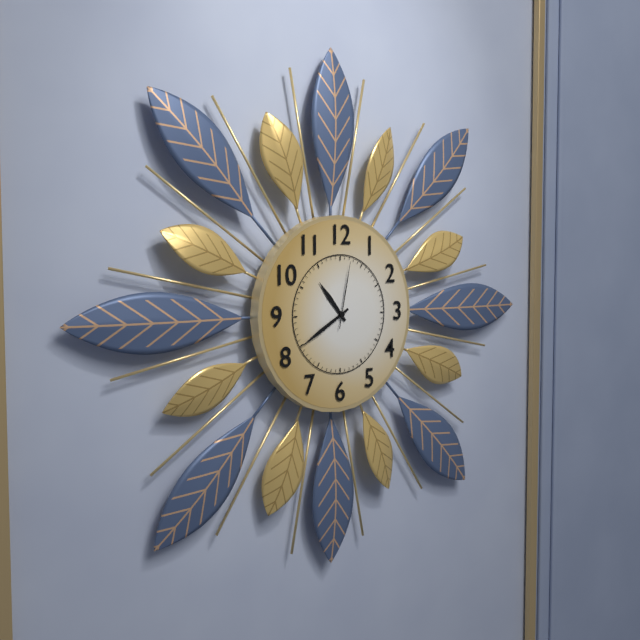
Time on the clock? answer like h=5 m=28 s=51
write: h=10 m=40 s=2
